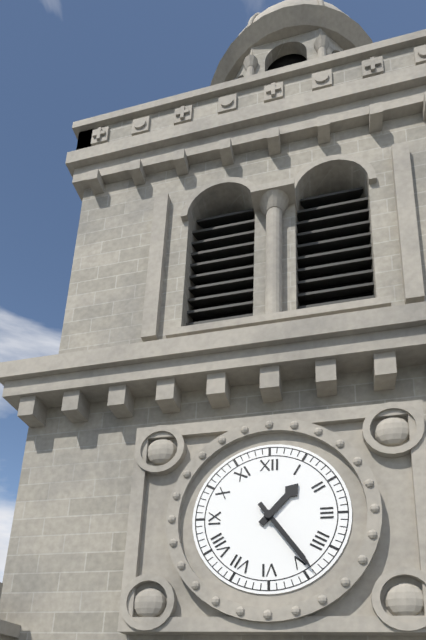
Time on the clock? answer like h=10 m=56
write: h=1 m=24
